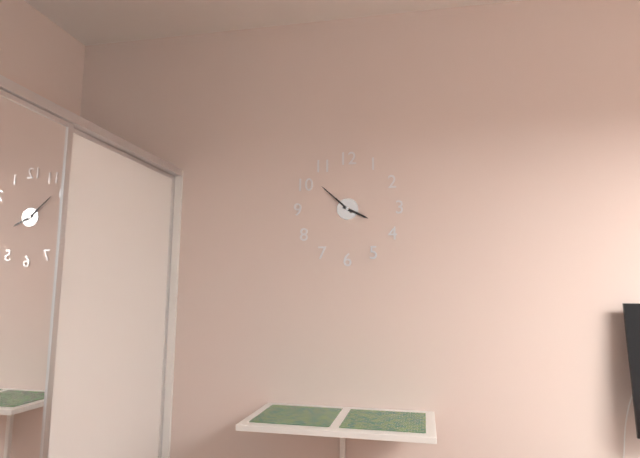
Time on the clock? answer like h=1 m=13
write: h=3 m=52
